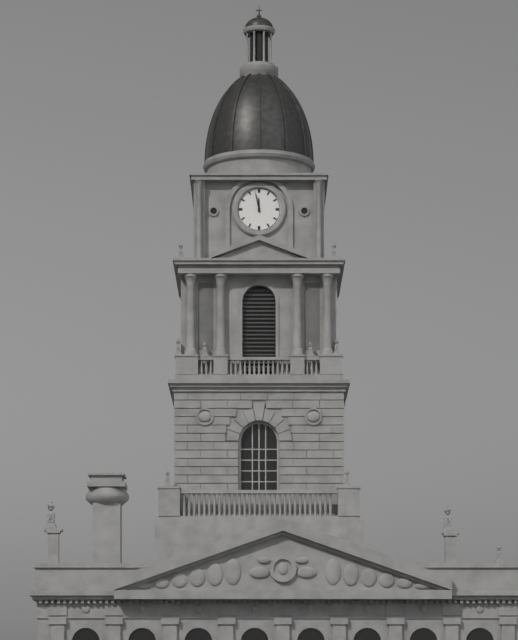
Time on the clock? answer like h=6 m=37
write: h=11 m=58
